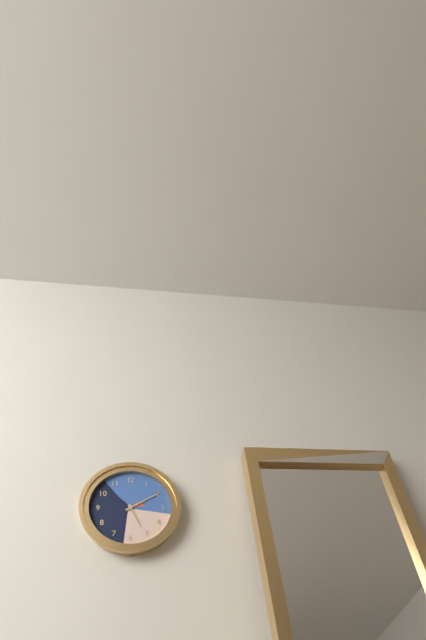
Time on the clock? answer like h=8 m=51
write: h=5 m=10
